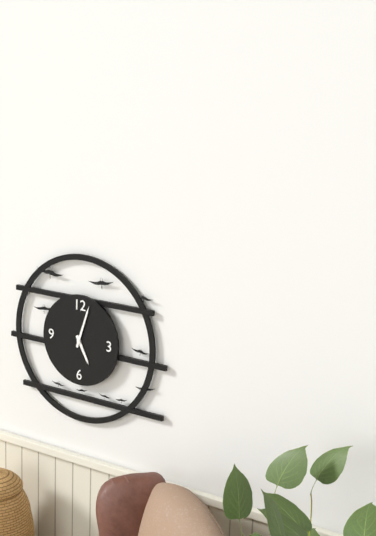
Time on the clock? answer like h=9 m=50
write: h=5 m=3
